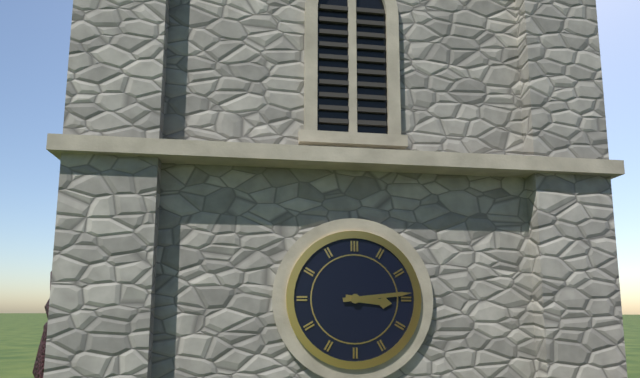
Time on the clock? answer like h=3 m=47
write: h=3 m=14
